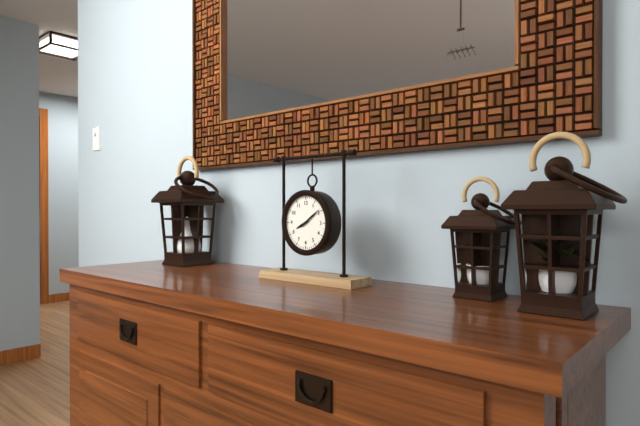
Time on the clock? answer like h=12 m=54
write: h=8 m=9
